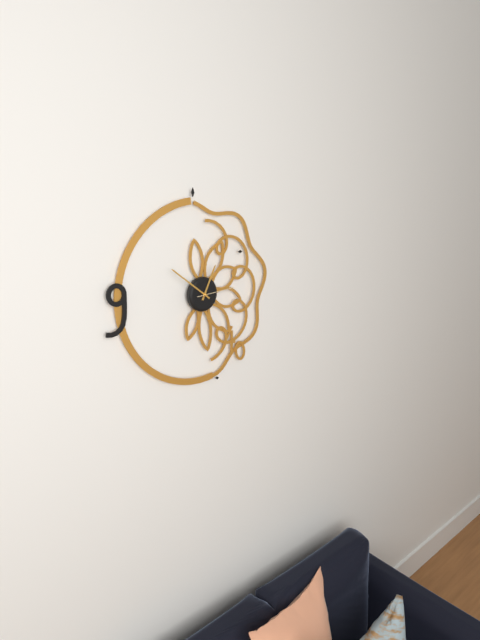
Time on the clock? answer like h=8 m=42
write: h=12 m=51
